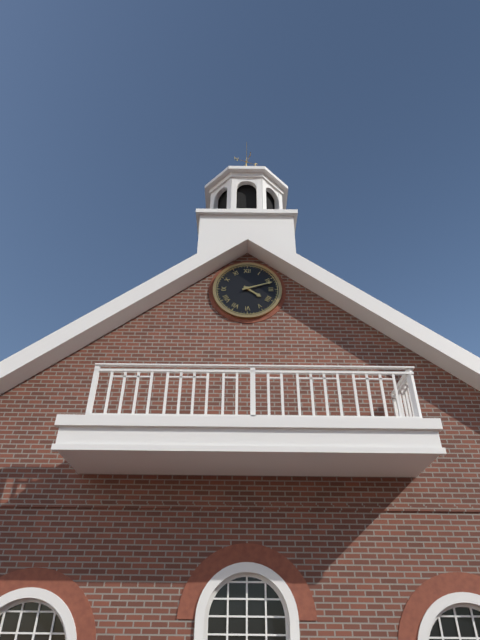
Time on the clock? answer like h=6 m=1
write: h=4 m=12
